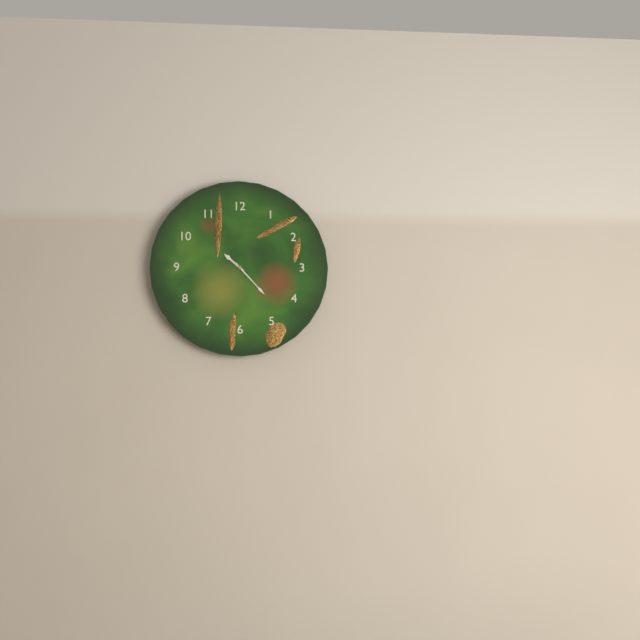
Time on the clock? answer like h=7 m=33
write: h=10 m=23
